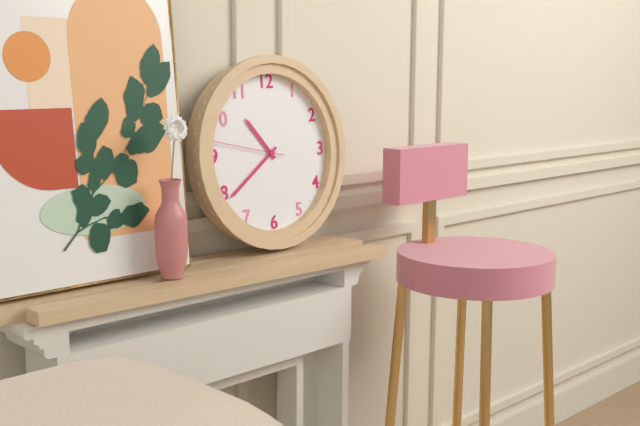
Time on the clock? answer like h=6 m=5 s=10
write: h=10 m=39 s=47
